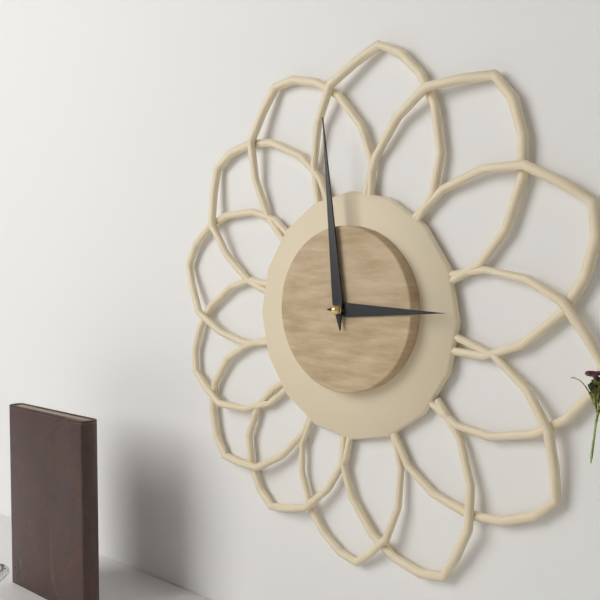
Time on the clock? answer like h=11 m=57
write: h=2 m=59
